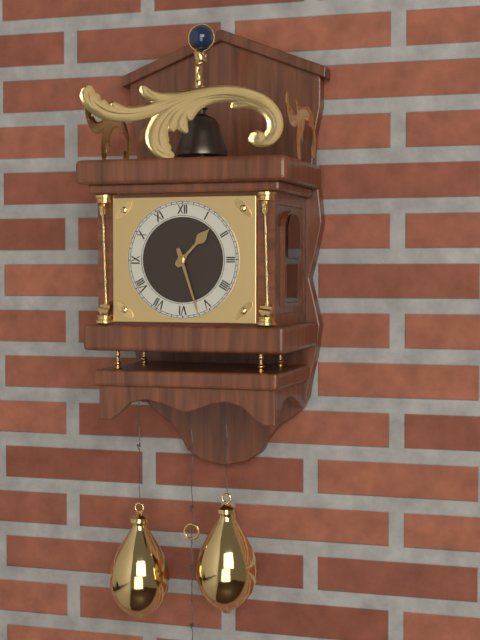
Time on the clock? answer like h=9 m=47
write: h=1 m=27
